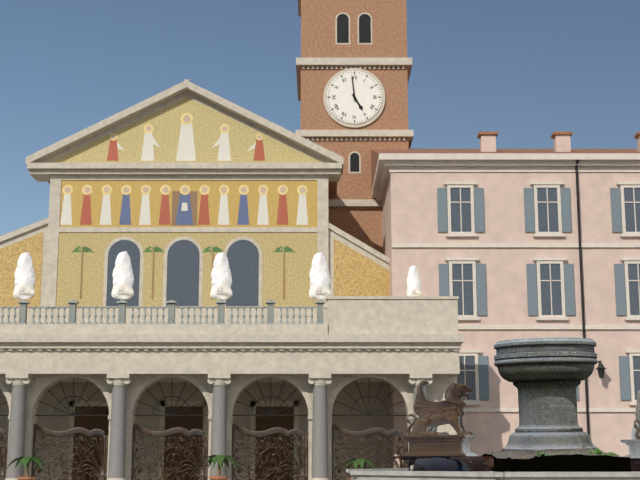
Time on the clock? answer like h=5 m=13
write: h=4 m=59
